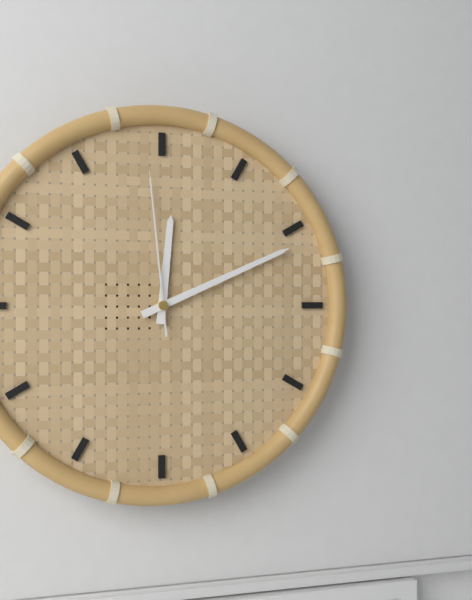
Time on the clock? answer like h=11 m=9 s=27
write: h=12 m=11 s=59
